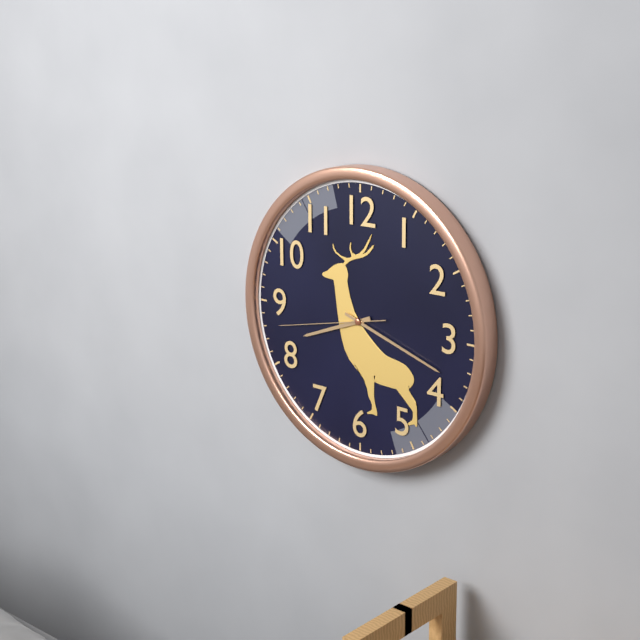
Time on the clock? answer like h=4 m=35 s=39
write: h=8 m=18 s=43
